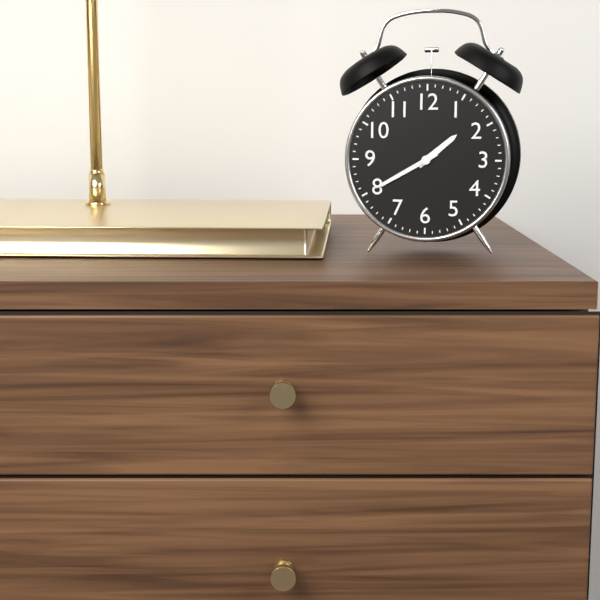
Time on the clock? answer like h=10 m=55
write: h=1 m=40
